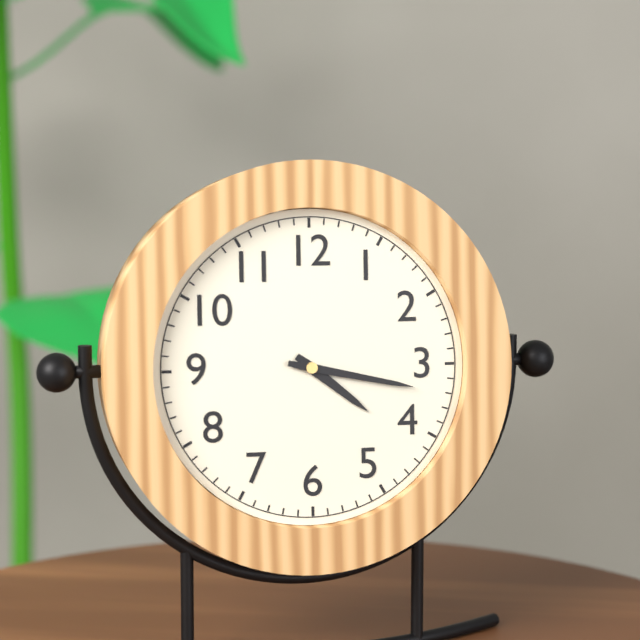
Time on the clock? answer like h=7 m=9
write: h=4 m=17
